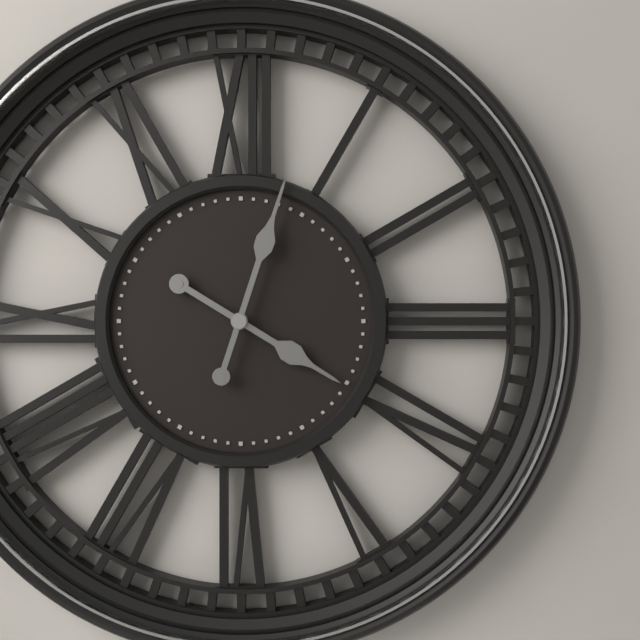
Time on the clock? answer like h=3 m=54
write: h=4 m=3
